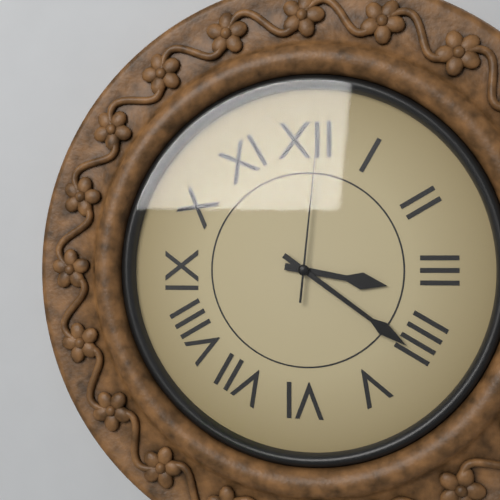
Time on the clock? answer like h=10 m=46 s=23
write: h=3 m=21 s=1
